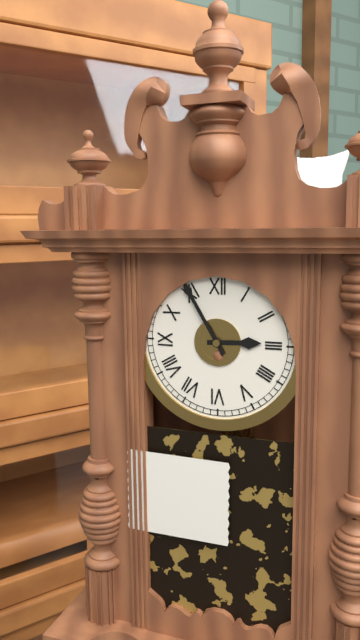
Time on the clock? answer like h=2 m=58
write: h=2 m=55
